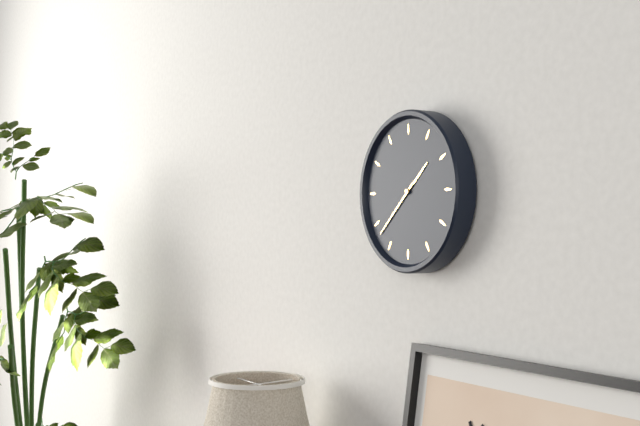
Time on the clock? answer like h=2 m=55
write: h=1 m=38
